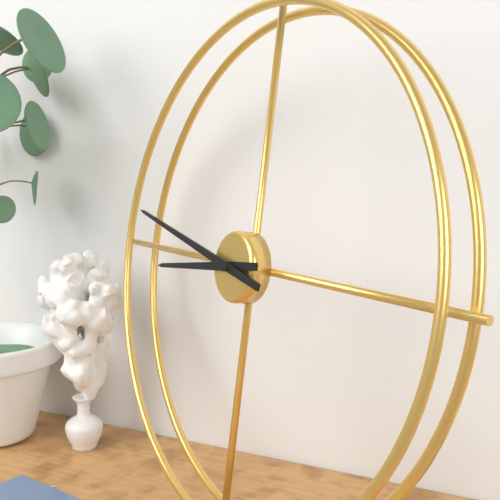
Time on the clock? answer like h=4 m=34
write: h=8 m=47
